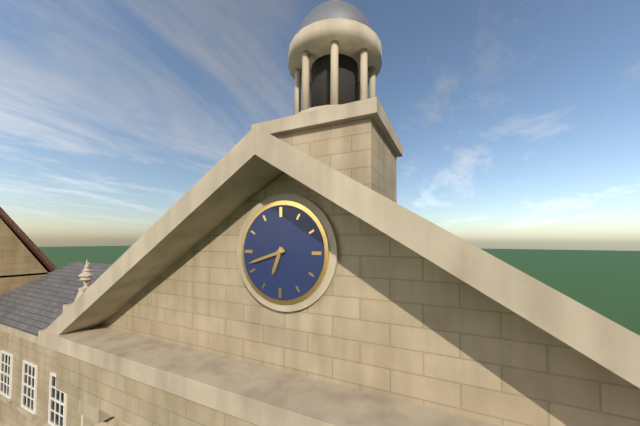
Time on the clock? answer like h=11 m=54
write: h=6 m=42
